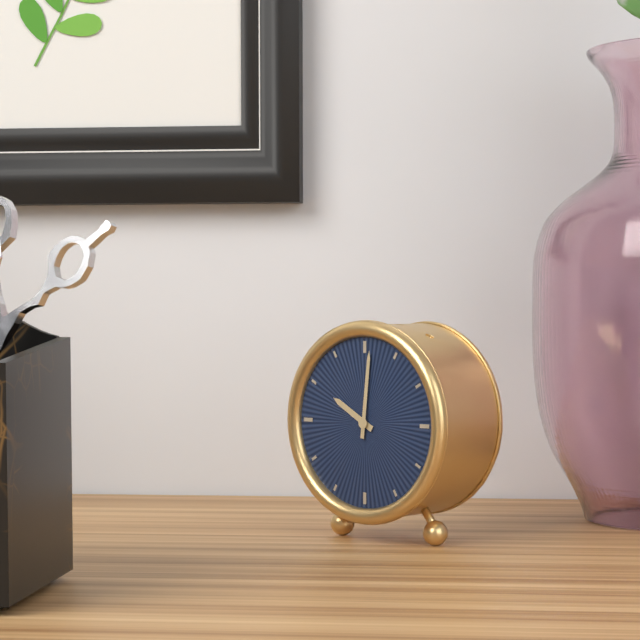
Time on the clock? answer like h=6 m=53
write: h=10 m=1
